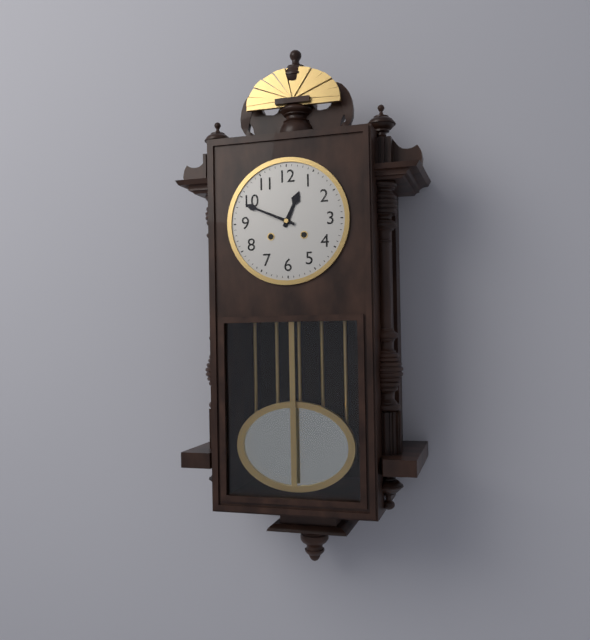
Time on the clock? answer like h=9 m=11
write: h=12 m=49
